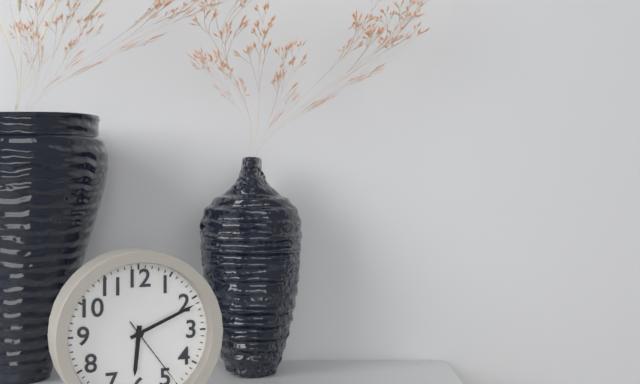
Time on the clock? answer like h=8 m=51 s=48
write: h=6 m=11 s=24
